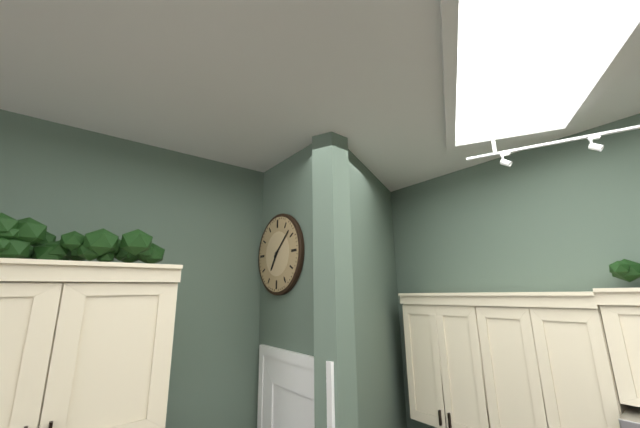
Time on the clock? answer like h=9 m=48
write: h=7 m=8
